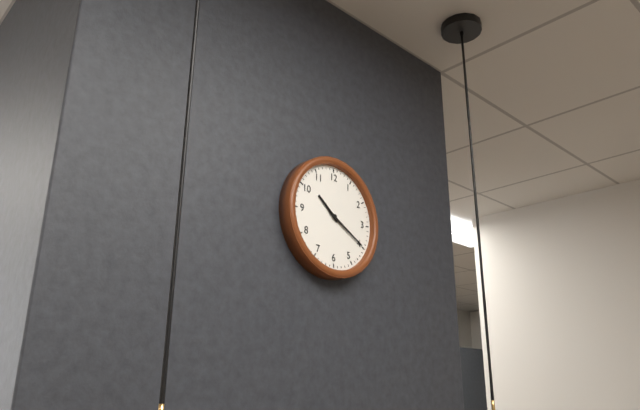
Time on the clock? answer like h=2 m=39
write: h=10 m=20
